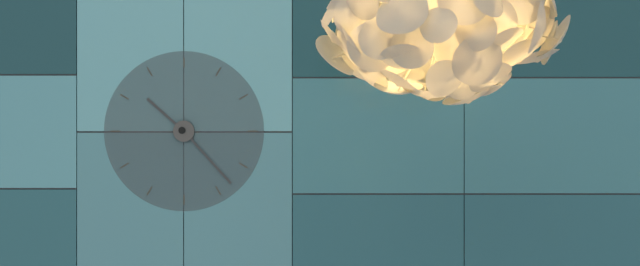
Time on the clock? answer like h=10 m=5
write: h=10 m=23
